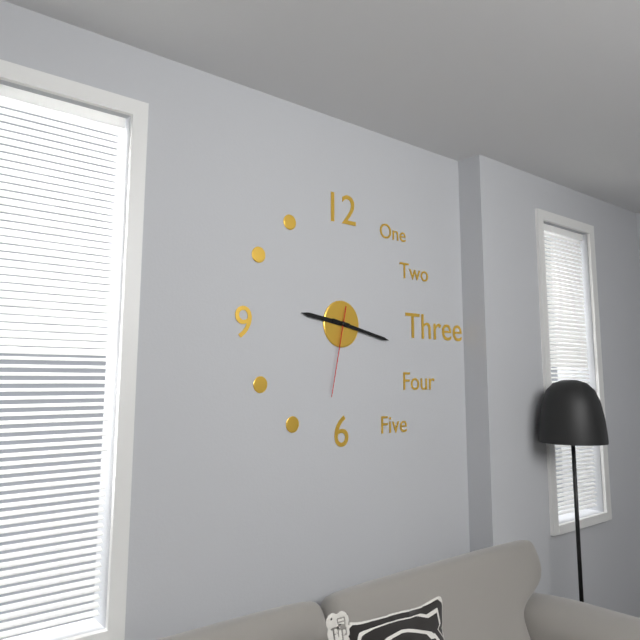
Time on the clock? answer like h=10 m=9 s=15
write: h=9 m=17 s=32
